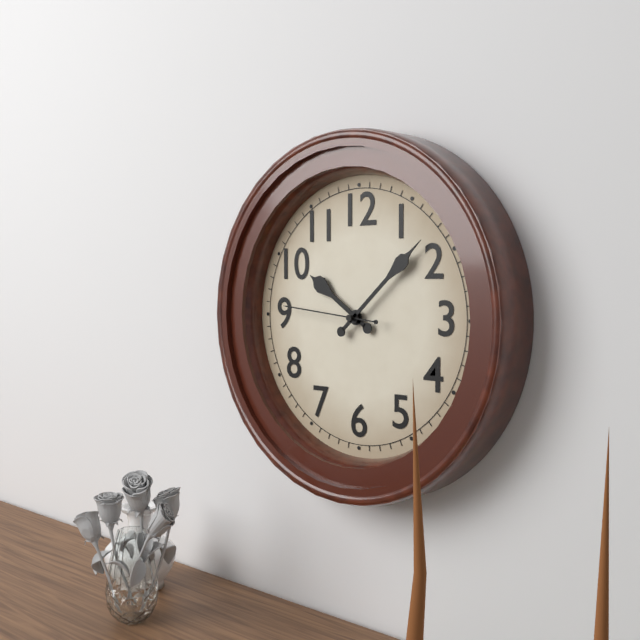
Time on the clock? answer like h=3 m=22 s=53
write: h=10 m=8 s=46
